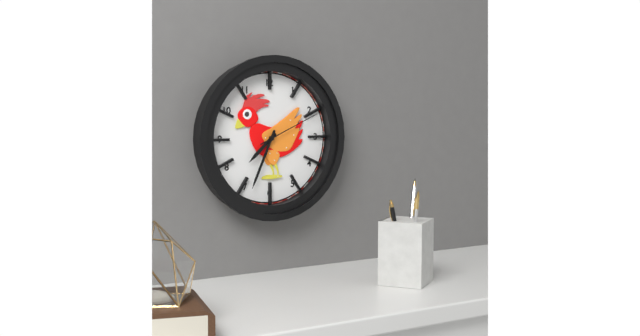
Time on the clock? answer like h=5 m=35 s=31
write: h=7 m=34 s=11
